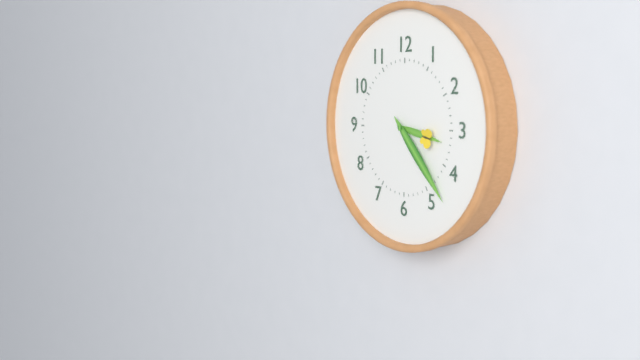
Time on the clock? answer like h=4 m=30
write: h=3 m=23
